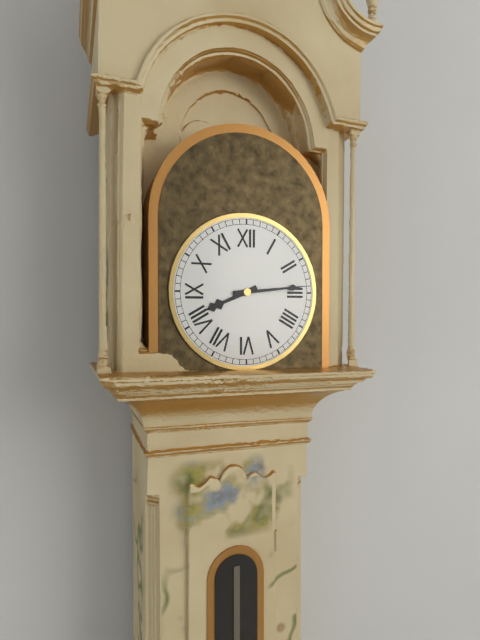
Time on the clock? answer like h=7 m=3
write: h=8 m=14
